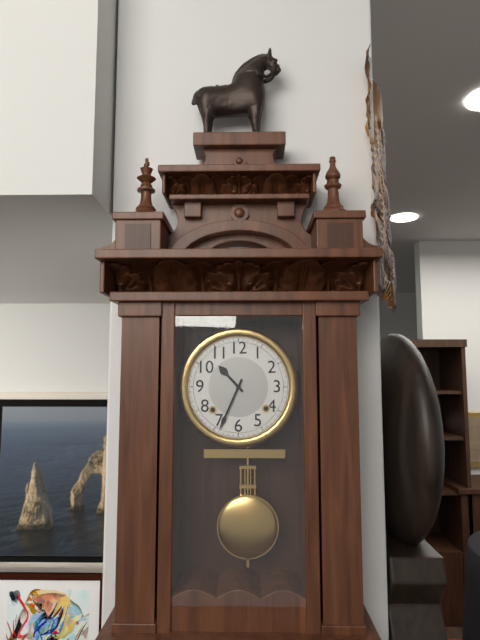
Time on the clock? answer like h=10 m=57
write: h=10 m=34
